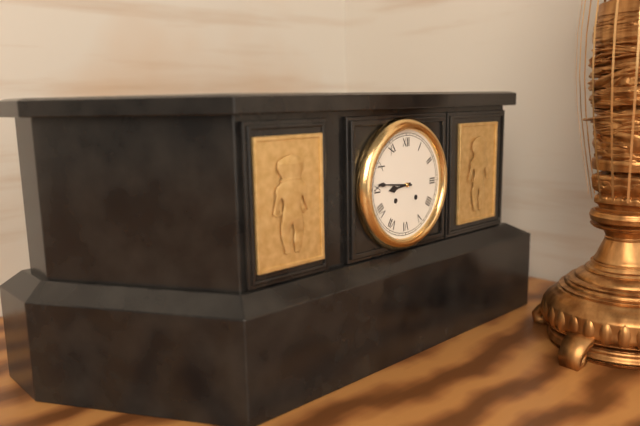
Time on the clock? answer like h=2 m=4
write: h=8 m=46
